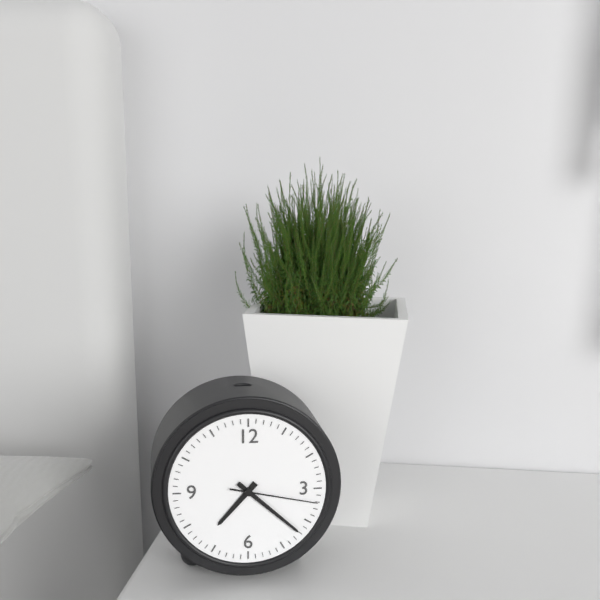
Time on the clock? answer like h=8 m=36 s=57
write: h=7 m=22 s=17
